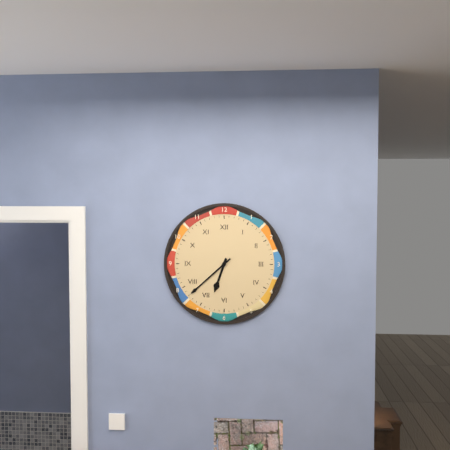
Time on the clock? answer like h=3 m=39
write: h=6 m=38
